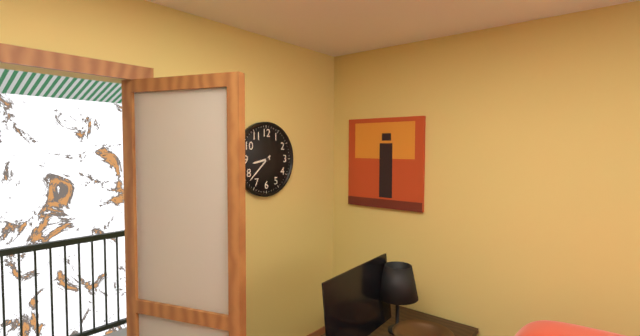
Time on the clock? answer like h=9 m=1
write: h=8 m=38
